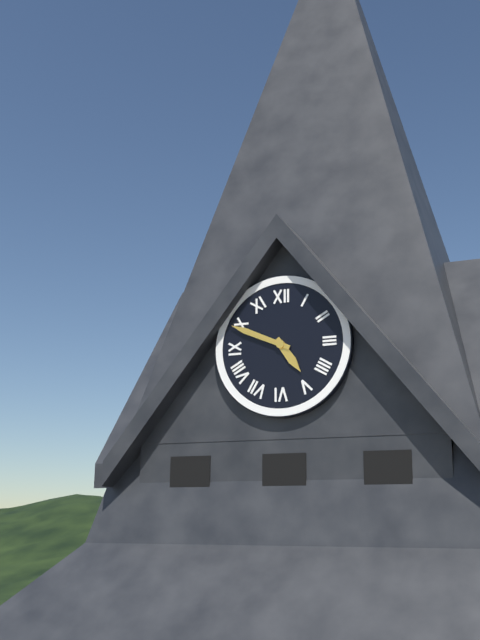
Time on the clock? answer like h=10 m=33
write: h=4 m=49
